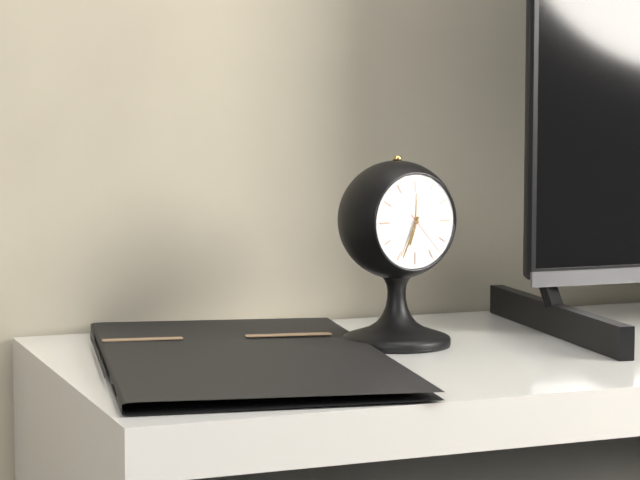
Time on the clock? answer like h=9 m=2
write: h=6 m=34
